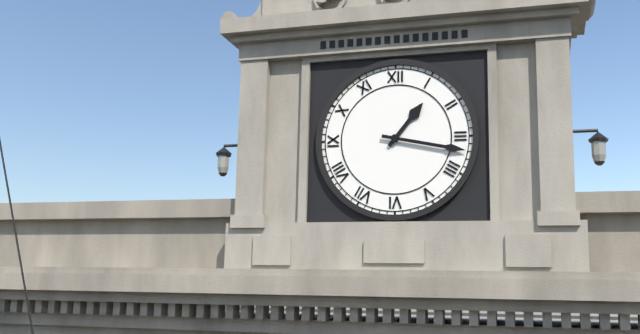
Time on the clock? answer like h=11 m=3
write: h=1 m=17
